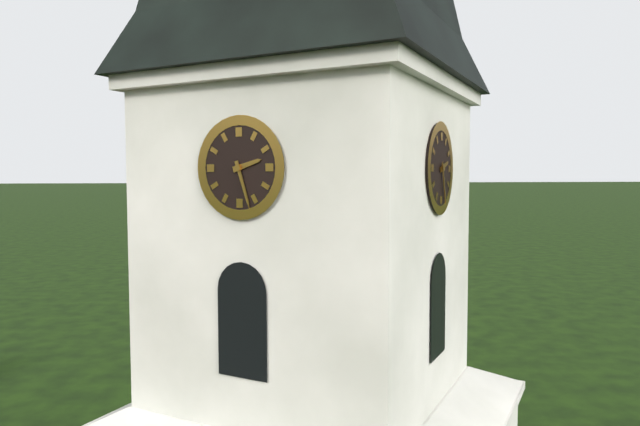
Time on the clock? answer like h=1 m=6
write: h=2 m=27
